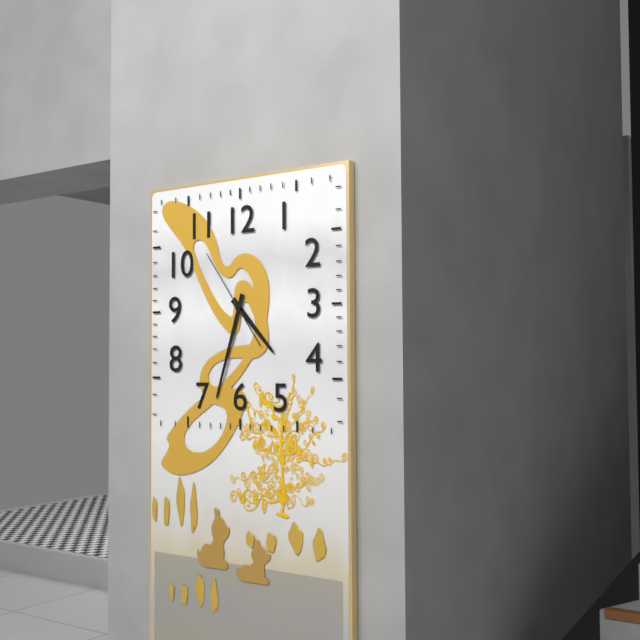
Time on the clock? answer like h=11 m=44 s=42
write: h=4 m=33 s=54
